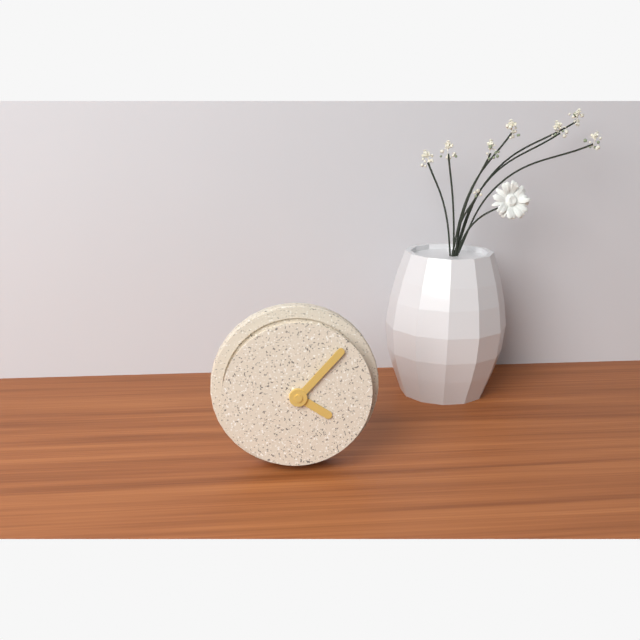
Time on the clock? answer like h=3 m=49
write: h=4 m=7
